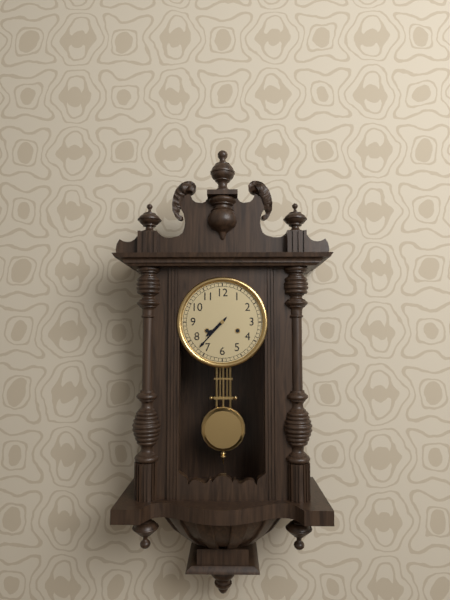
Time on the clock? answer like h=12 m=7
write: h=7 m=37
